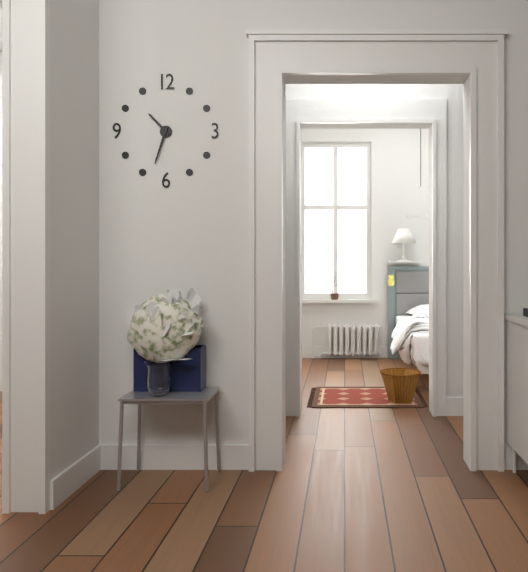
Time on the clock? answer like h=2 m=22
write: h=10 m=33
